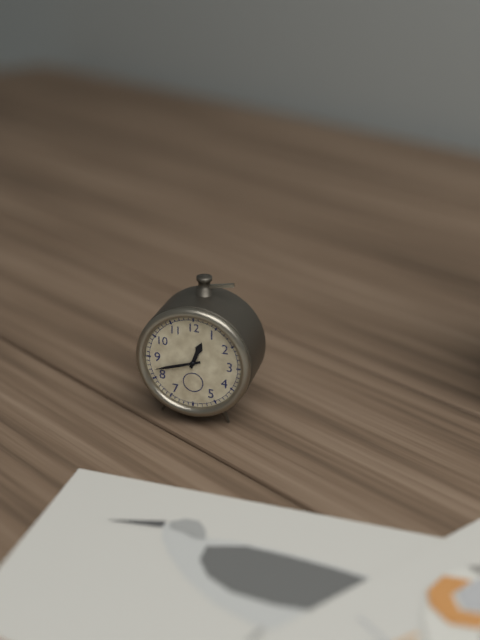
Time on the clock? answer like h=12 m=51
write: h=12 m=42
